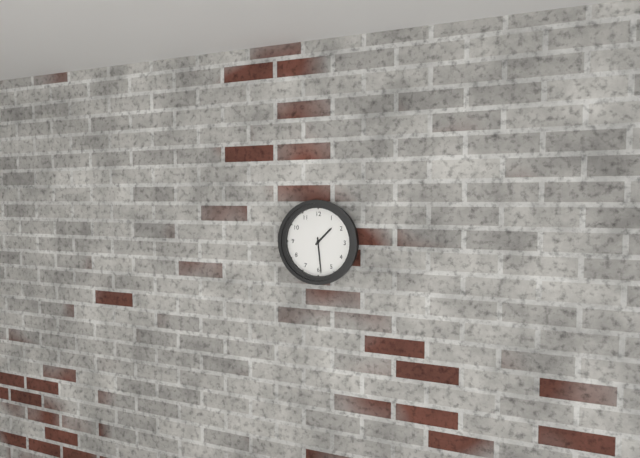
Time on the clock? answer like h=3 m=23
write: h=1 m=29
